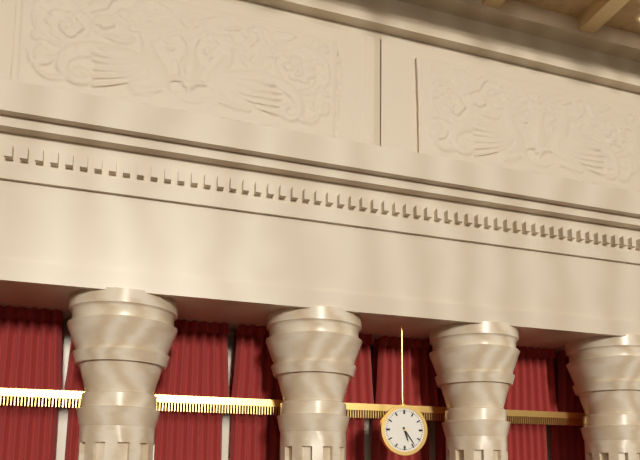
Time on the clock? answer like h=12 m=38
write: h=5 m=24
